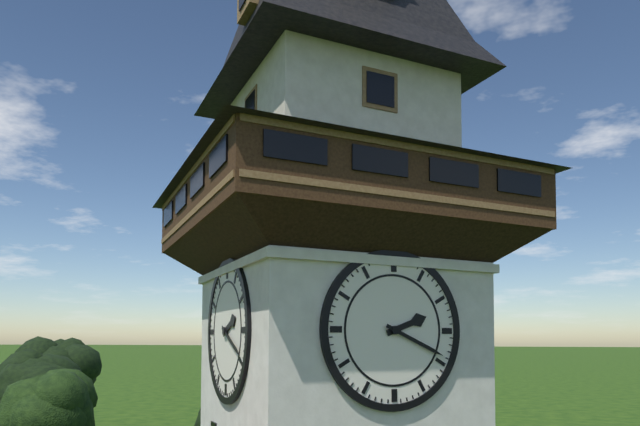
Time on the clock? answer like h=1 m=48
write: h=2 m=19
